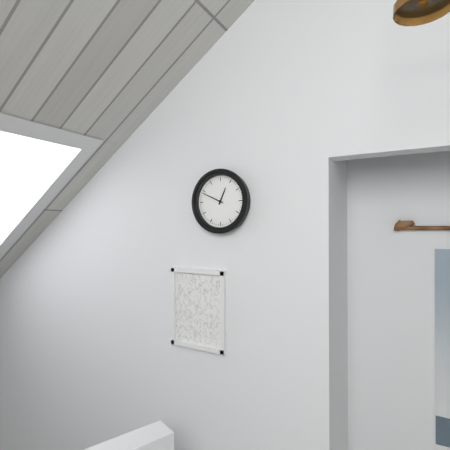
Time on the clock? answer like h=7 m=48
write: h=12 m=49
